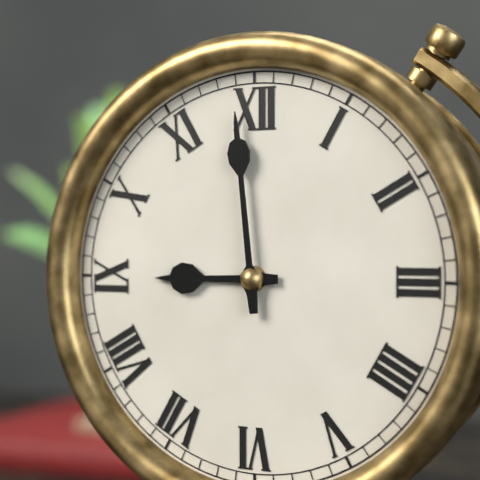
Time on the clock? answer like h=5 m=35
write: h=8 m=59
